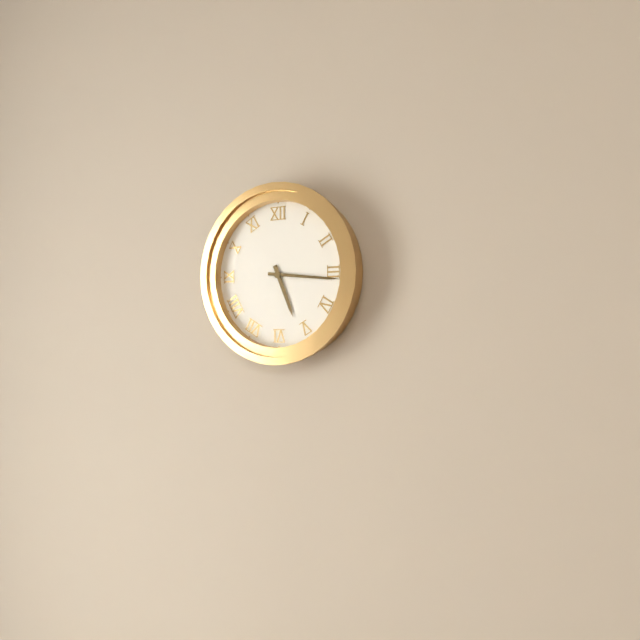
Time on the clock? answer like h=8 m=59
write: h=5 m=16
